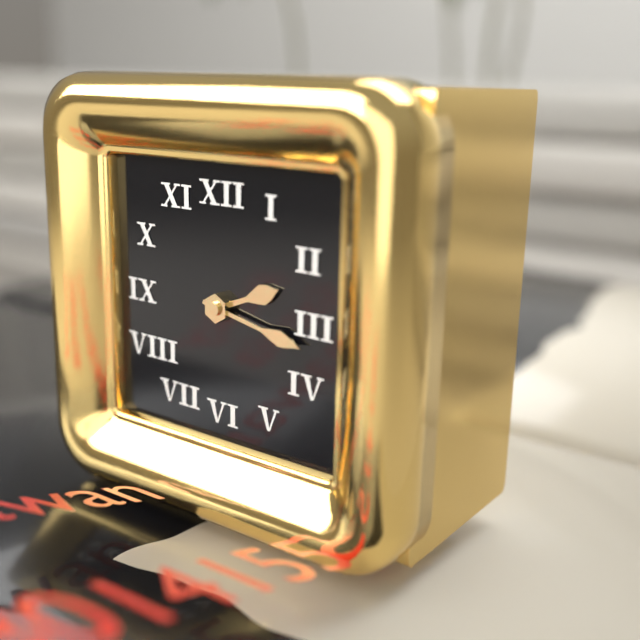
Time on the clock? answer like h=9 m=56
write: h=2 m=17
